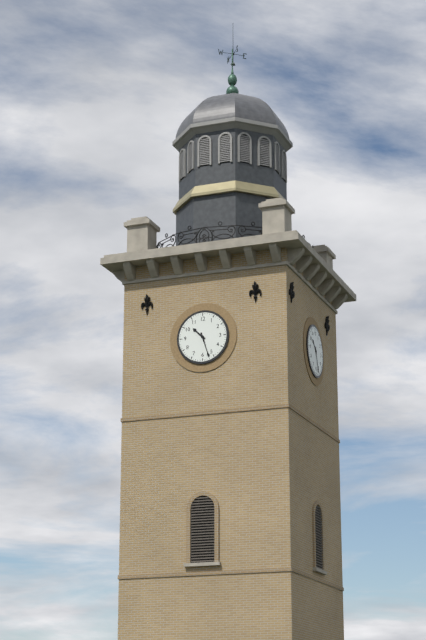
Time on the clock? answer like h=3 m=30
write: h=10 m=27
